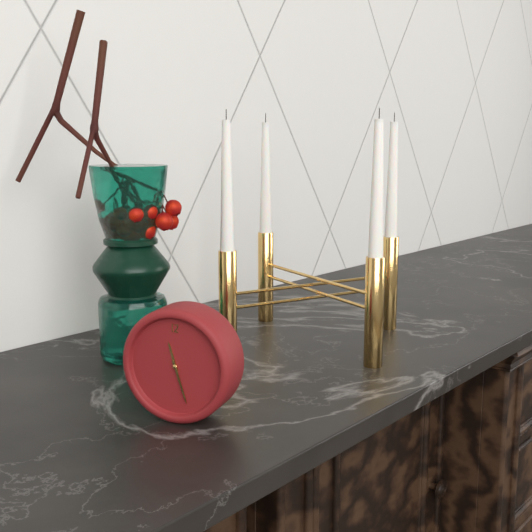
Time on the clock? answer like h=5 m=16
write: h=11 m=27
